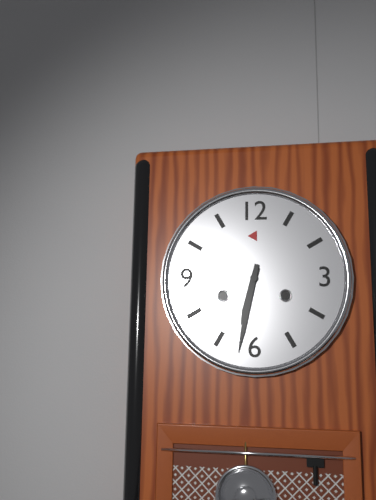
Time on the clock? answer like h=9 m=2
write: h=6 m=32
